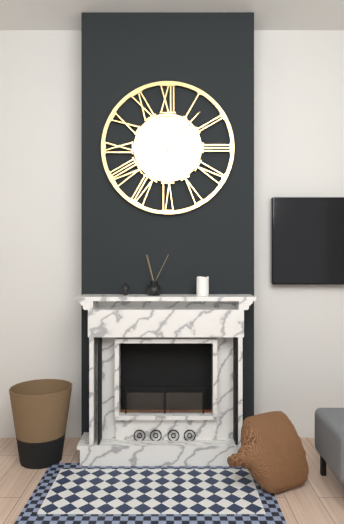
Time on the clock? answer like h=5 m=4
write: h=7 m=7
